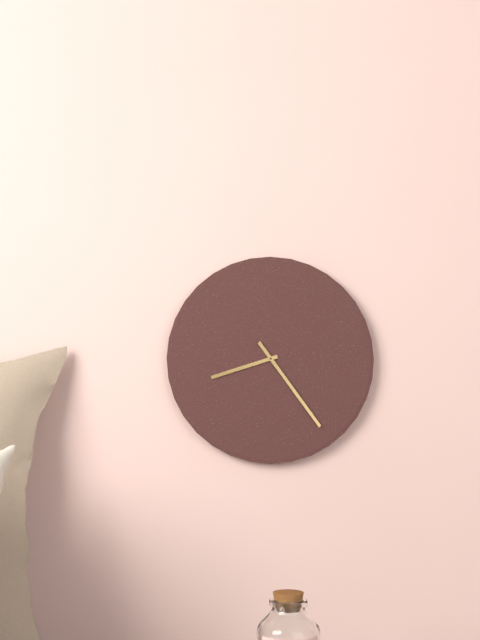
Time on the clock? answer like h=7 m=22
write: h=8 m=24
